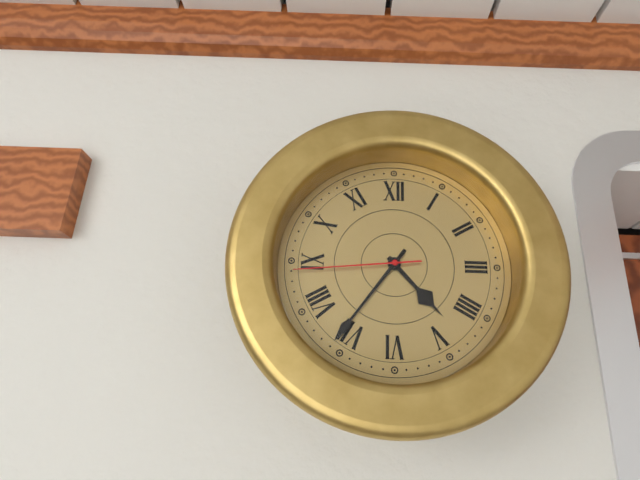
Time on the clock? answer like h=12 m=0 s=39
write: h=4 m=36 s=44
